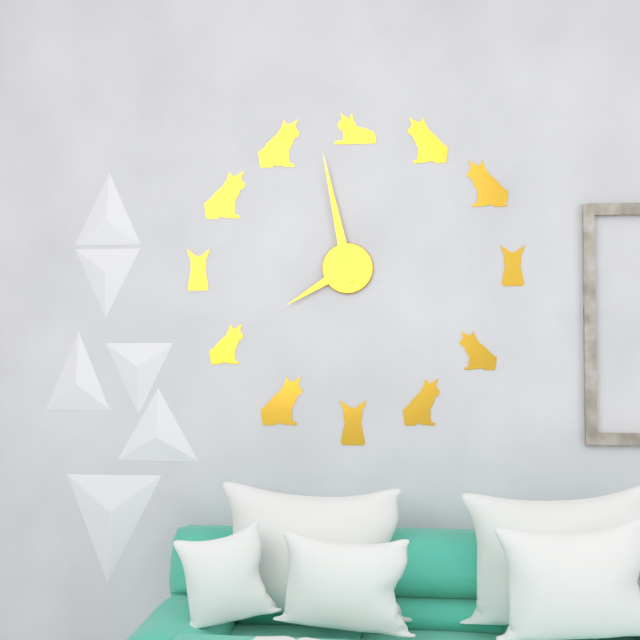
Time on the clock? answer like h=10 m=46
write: h=7 m=58
